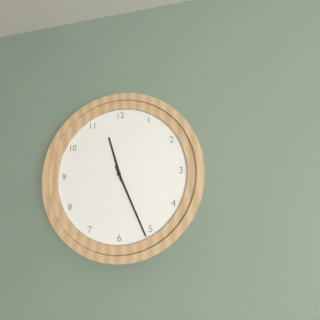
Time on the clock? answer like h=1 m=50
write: h=11 m=26
